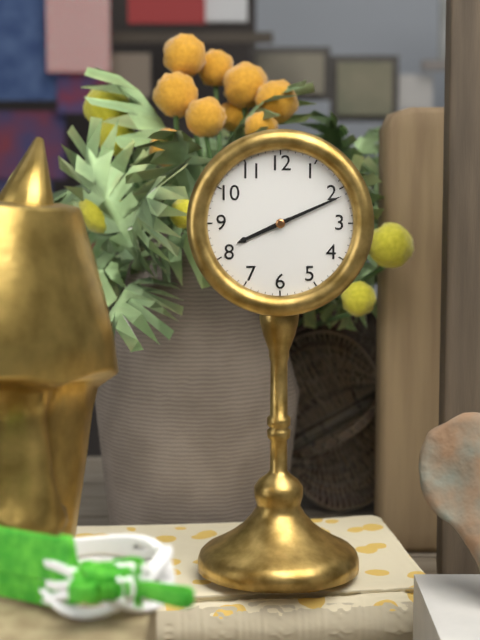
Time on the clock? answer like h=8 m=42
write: h=8 m=11
